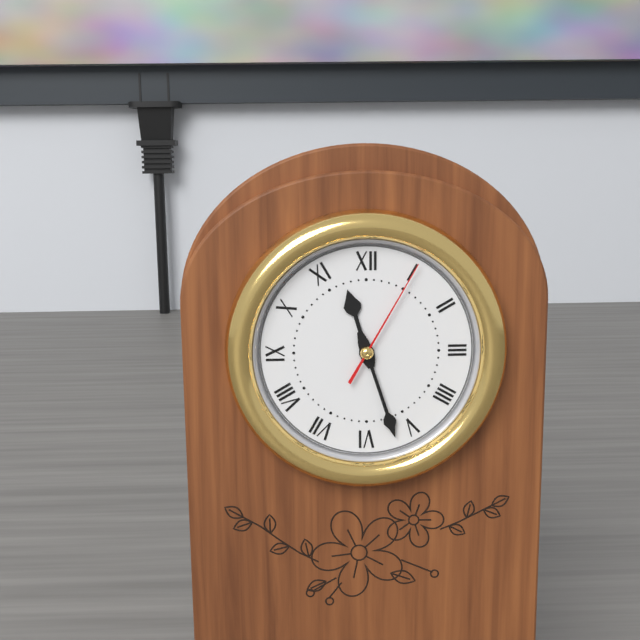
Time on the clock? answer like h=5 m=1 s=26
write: h=11 m=27 s=5
